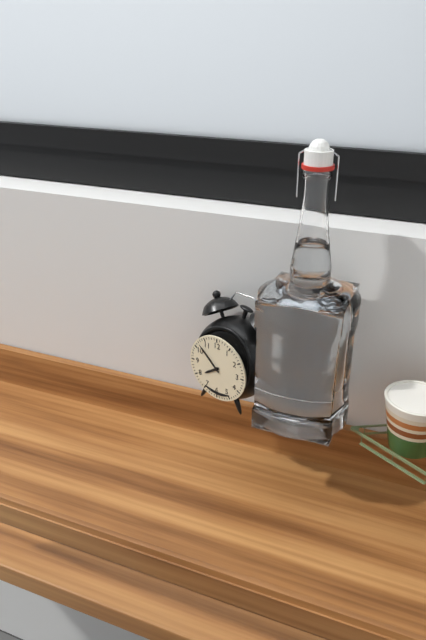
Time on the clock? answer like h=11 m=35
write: h=7 m=52
